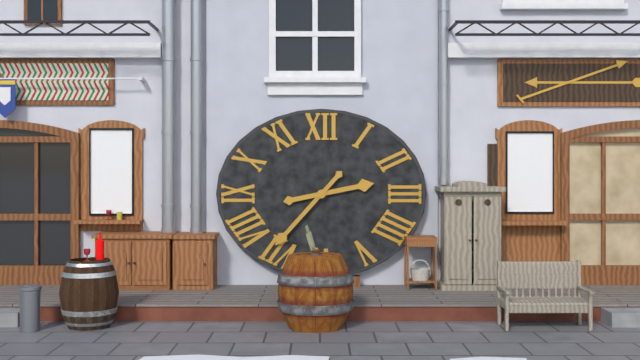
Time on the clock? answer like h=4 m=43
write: h=2 m=37
